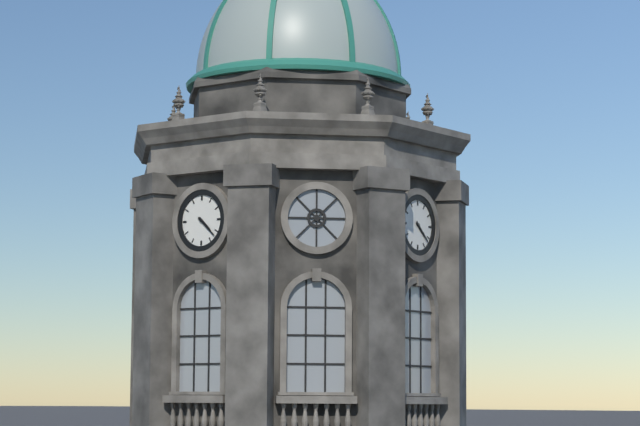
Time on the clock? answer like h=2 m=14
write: h=4 m=22
